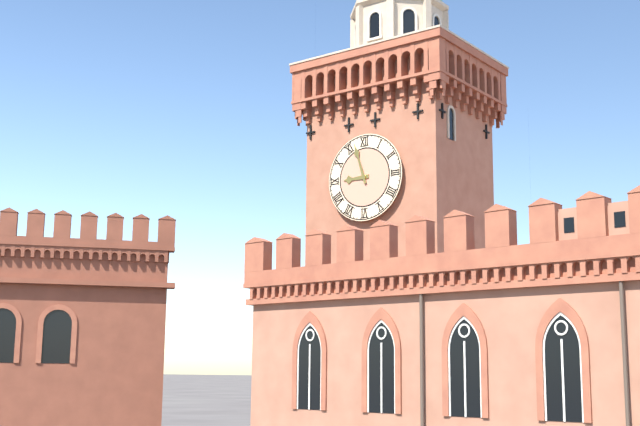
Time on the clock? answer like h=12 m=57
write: h=8 m=57
